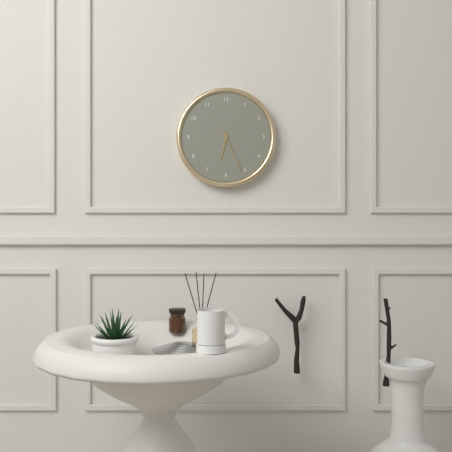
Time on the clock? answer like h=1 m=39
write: h=6 m=26
